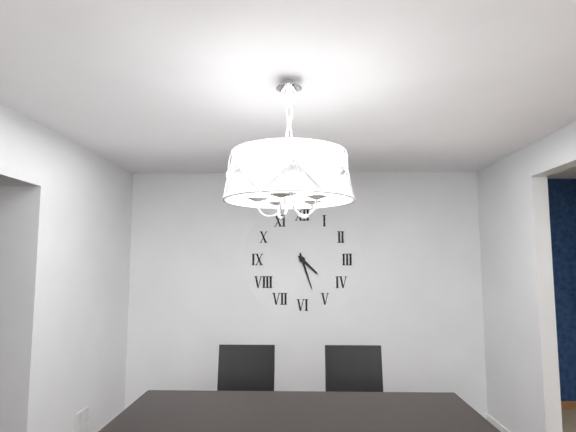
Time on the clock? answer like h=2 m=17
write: h=4 m=27
